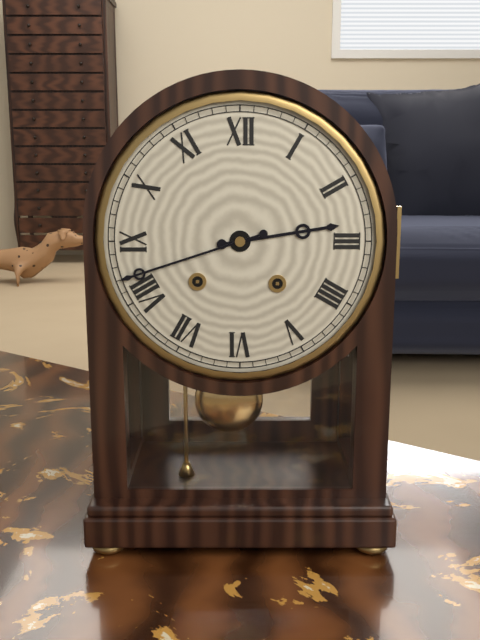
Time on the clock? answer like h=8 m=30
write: h=2 m=42
